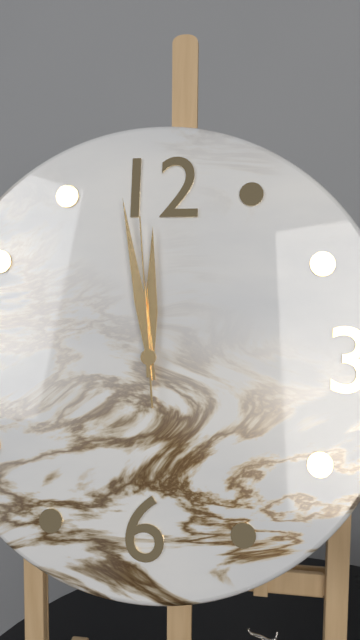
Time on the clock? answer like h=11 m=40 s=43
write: h=11 m=58 s=59
